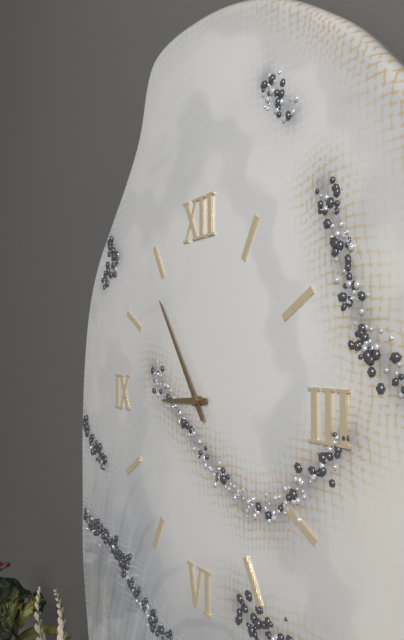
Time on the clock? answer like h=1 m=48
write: h=8 m=54
